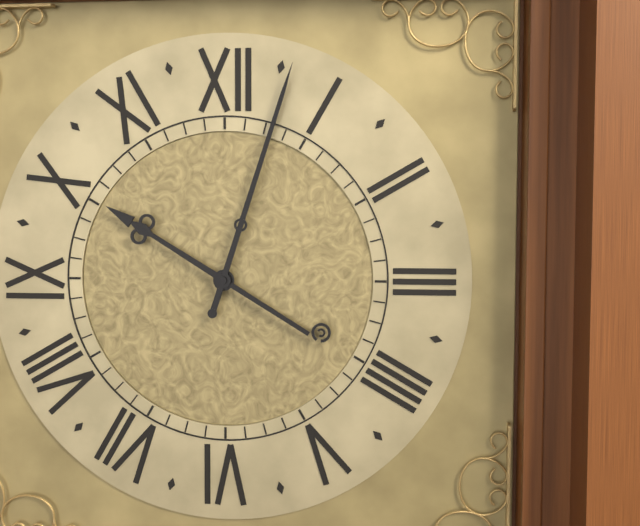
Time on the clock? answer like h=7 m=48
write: h=10 m=3
